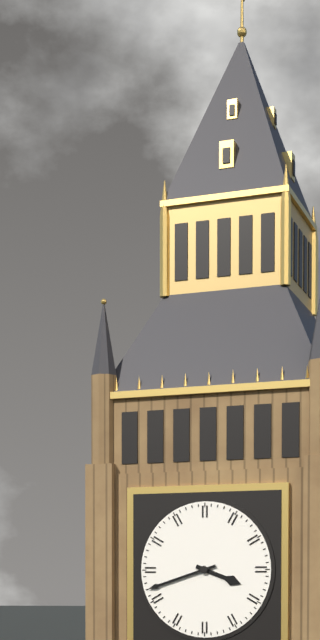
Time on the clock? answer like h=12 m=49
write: h=3 m=42
